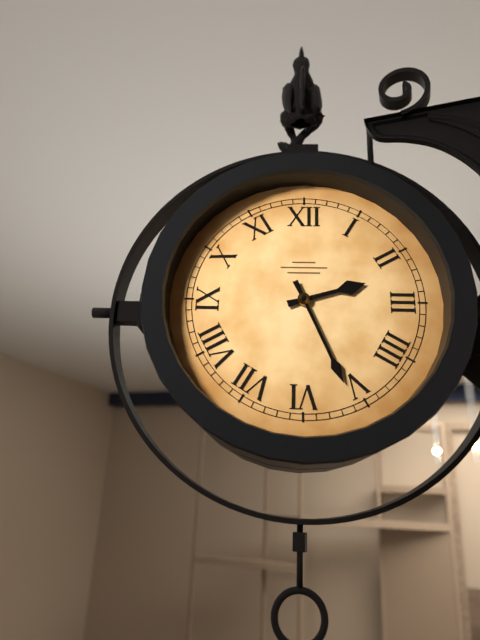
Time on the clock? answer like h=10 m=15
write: h=2 m=26
